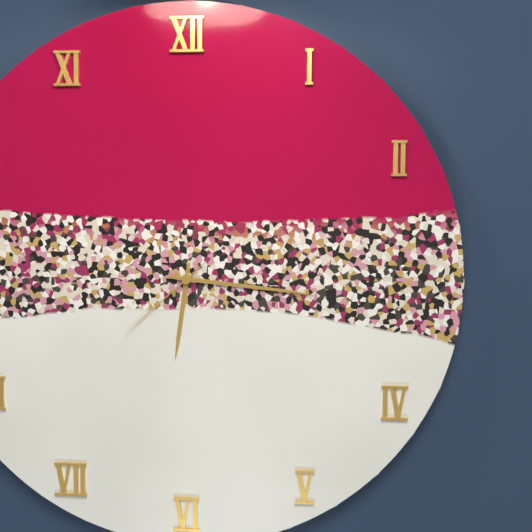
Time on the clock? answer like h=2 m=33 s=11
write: h=6 m=16 s=38
